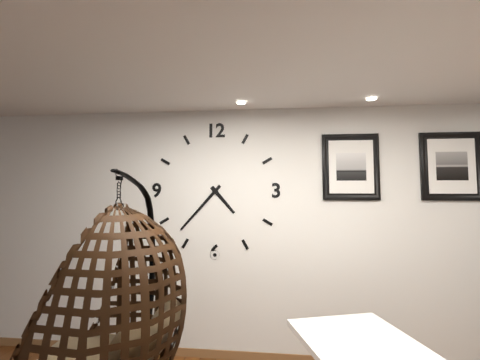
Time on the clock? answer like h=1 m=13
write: h=4 m=37
